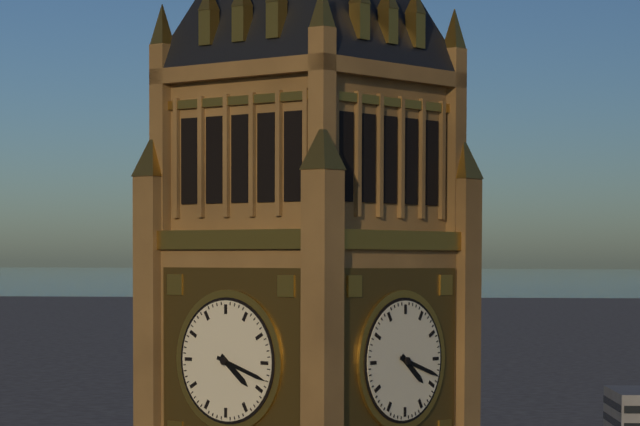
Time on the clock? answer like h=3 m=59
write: h=4 m=18
